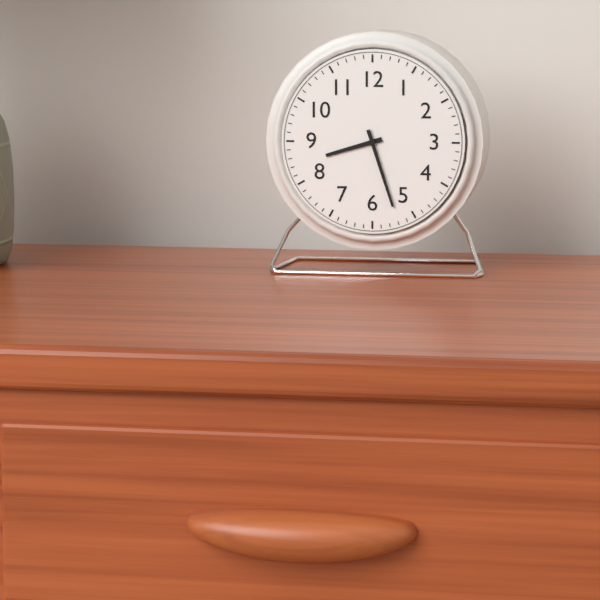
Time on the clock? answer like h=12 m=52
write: h=8 m=27
